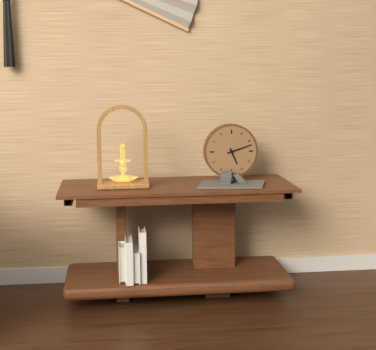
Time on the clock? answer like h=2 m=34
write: h=5 m=12
